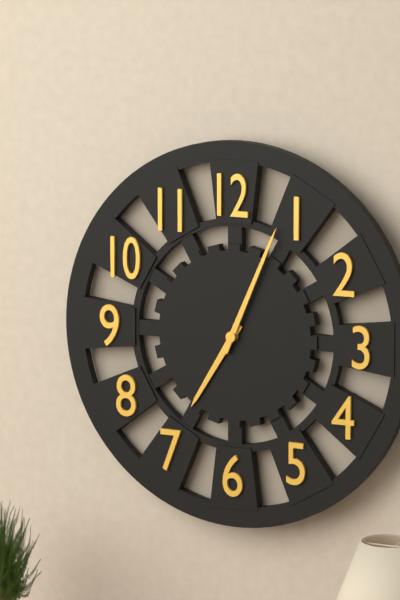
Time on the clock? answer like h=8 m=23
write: h=7 m=4
